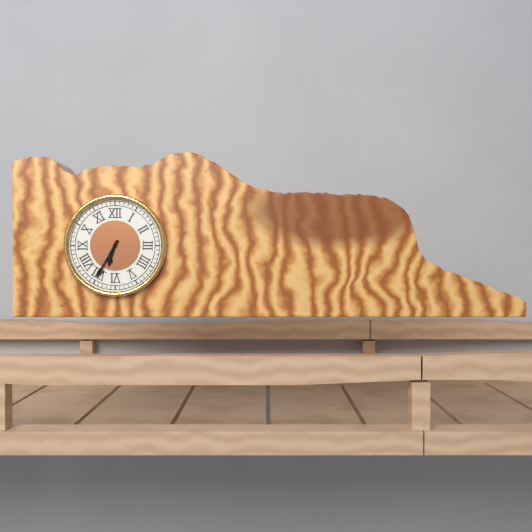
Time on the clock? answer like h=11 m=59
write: h=6 m=35
